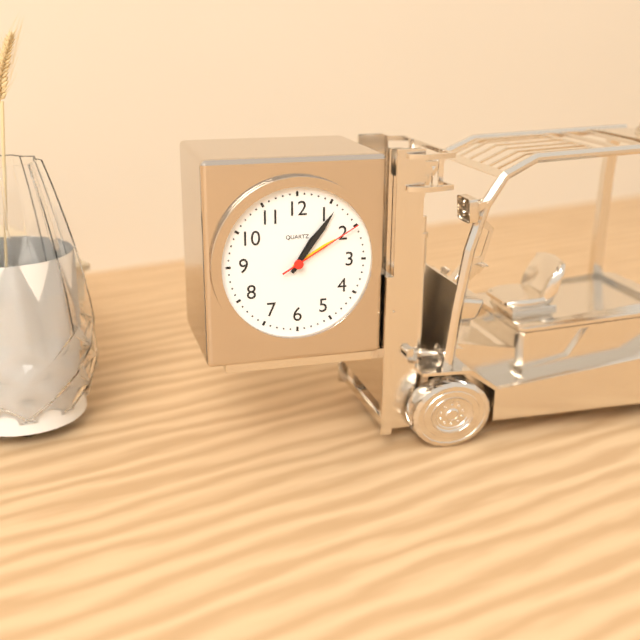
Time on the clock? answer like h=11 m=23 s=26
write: h=1 m=6 s=10
